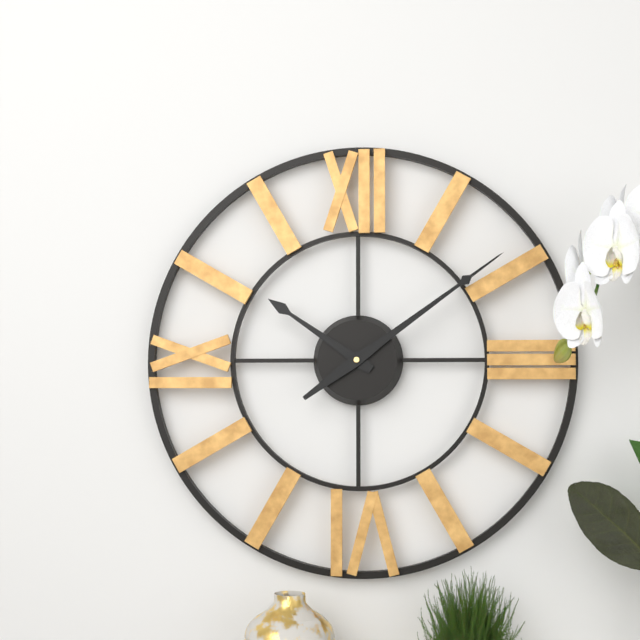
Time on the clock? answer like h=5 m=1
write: h=10 m=9
